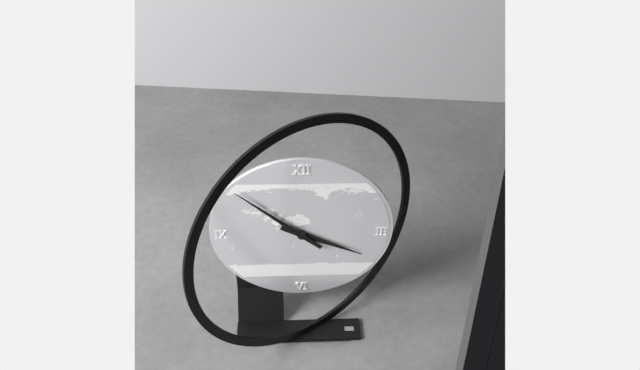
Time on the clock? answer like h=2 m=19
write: h=3 m=52
